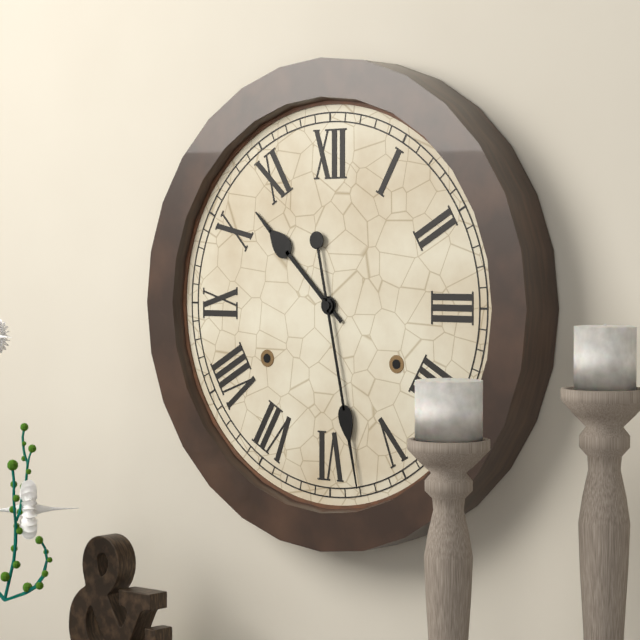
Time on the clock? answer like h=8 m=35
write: h=10 m=28
